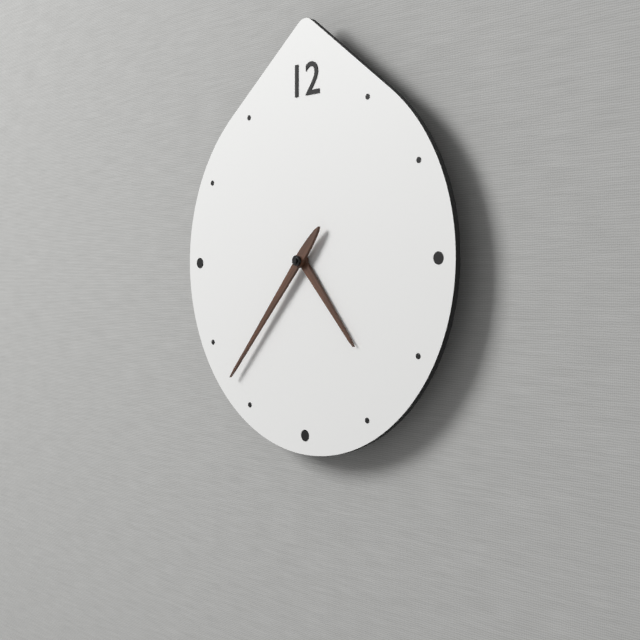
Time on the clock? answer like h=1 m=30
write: h=4 m=37
